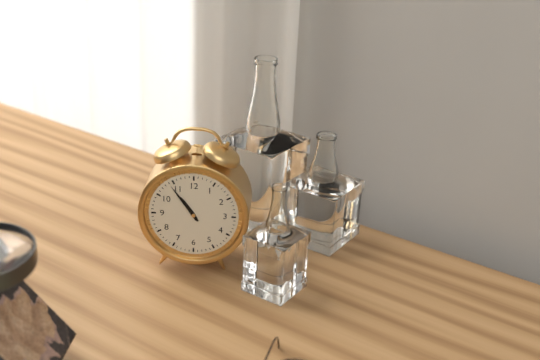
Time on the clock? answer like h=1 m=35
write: h=10 m=54
